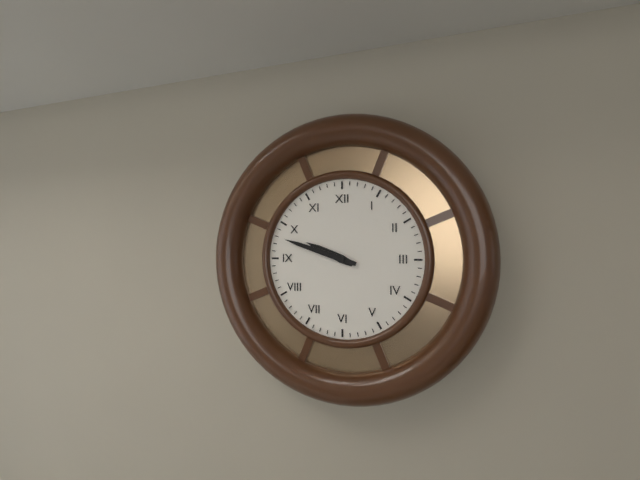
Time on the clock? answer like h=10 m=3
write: h=9 m=48
